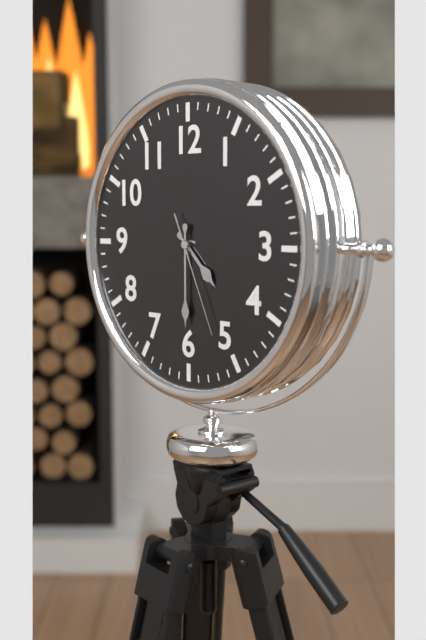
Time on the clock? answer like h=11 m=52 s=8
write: h=4 m=30 s=26
